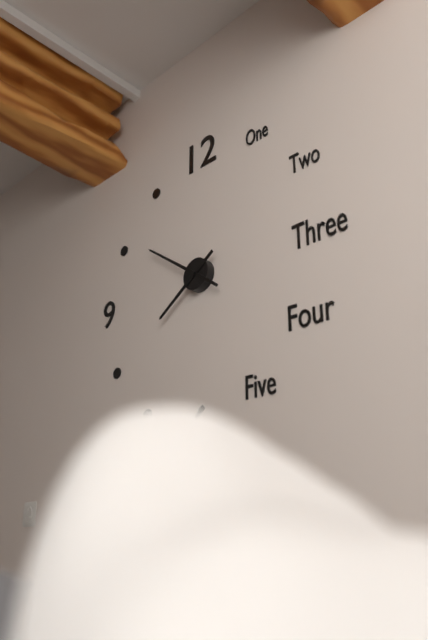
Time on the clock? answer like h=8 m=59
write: h=7 m=51
